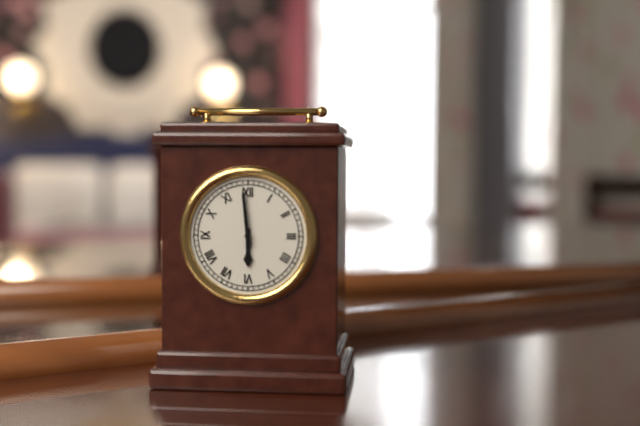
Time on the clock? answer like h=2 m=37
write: h=5 m=59
